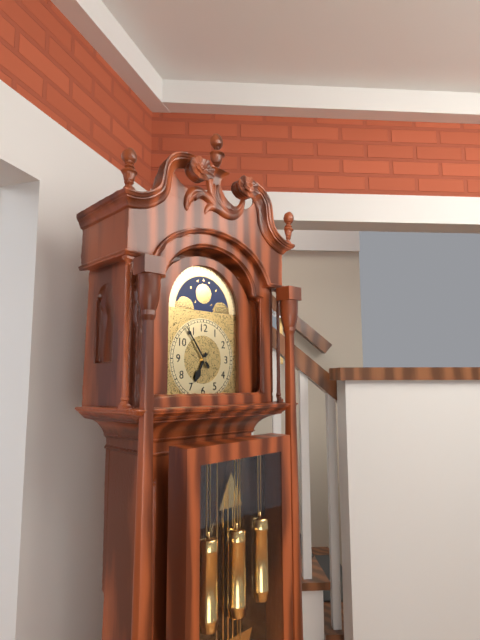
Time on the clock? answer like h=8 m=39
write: h=6 m=54
